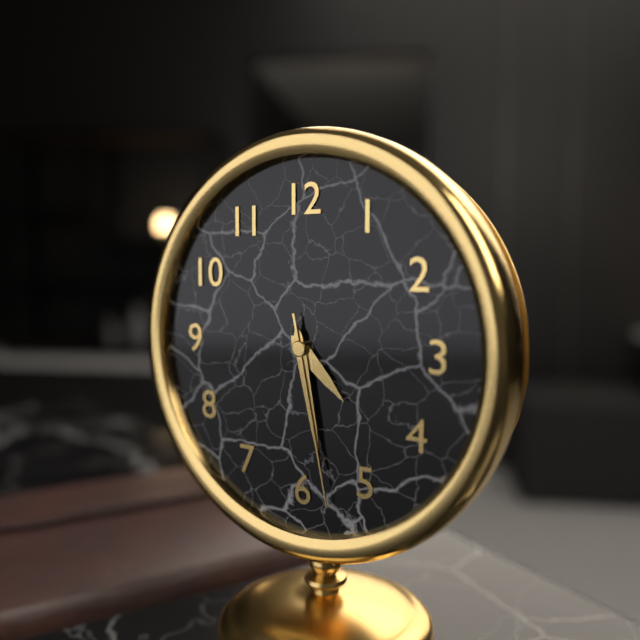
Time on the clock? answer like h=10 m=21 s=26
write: h=4 m=28 s=28
